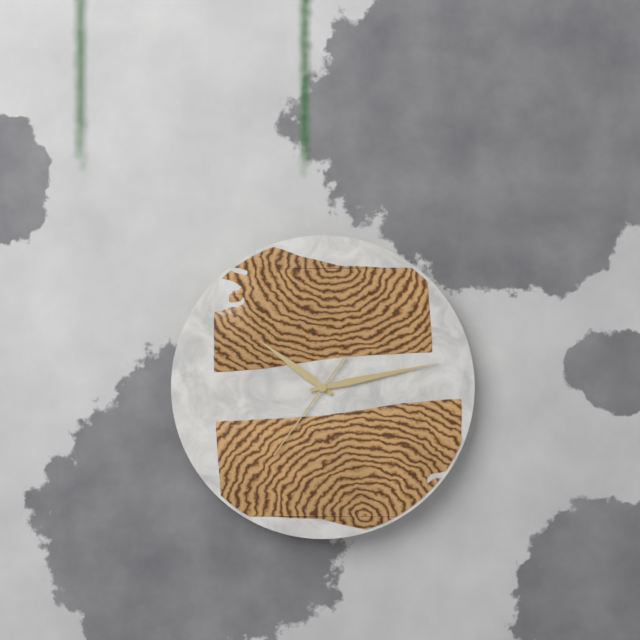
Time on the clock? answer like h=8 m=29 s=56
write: h=10 m=13 s=36
